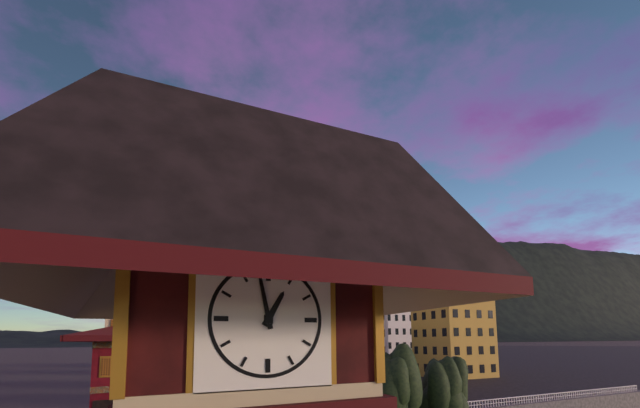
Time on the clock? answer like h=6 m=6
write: h=12 m=58
